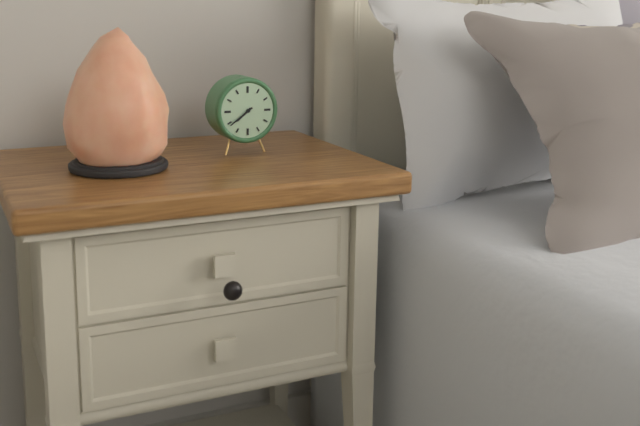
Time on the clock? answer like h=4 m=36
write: h=7 m=39
